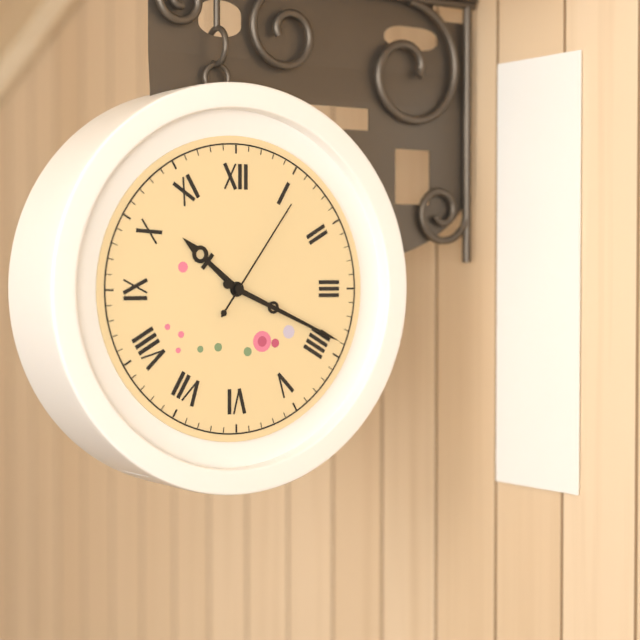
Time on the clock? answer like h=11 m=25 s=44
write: h=10 m=19 s=6
